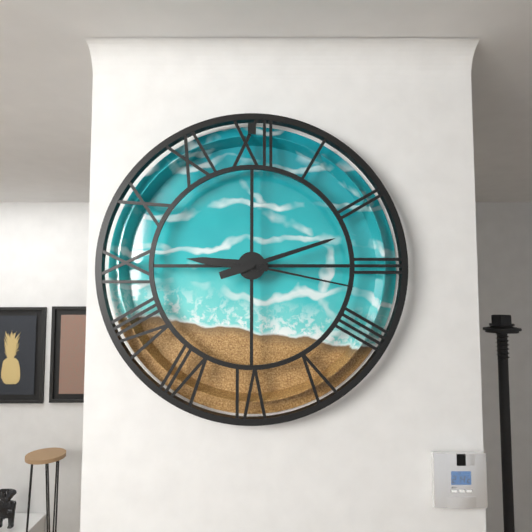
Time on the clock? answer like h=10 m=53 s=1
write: h=9 m=12 s=17
